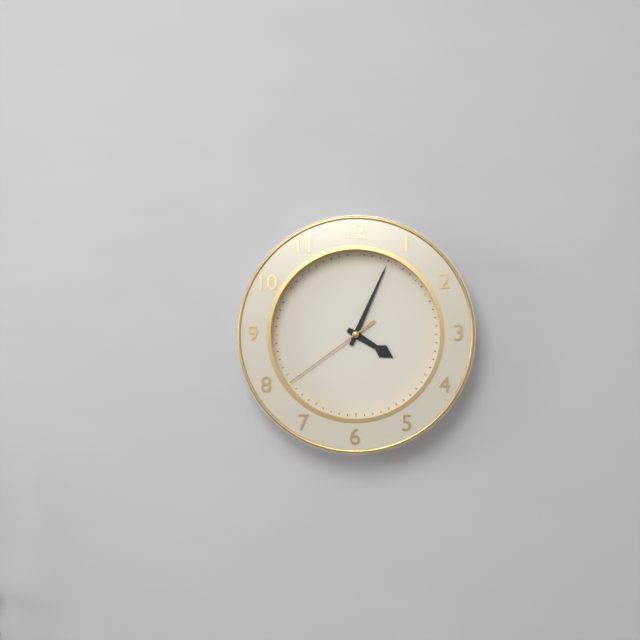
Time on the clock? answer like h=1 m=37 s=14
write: h=4 m=4 s=39
